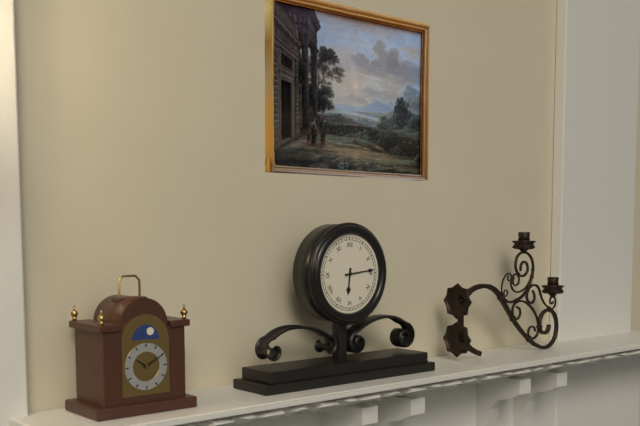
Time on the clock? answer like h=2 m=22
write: h=6 m=14
